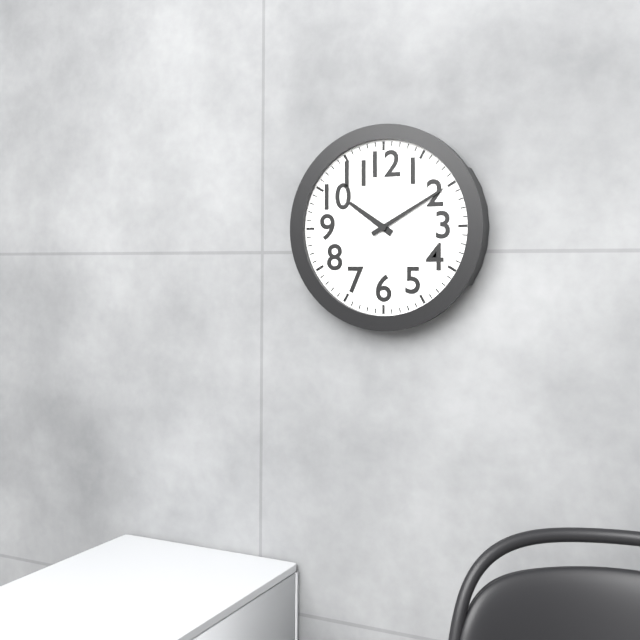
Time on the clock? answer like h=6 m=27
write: h=10 m=10
